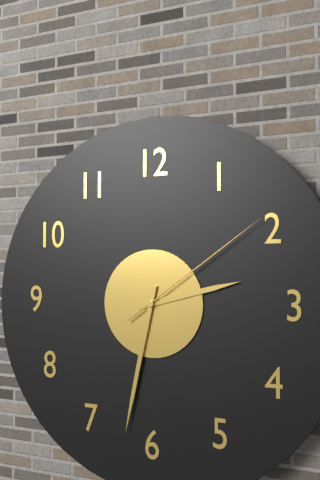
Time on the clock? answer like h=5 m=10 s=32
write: h=2 m=32 s=9
